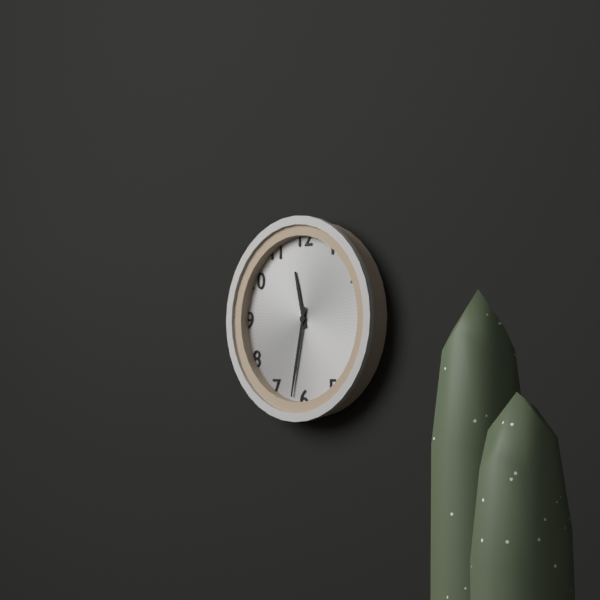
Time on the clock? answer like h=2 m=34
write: h=11 m=32
